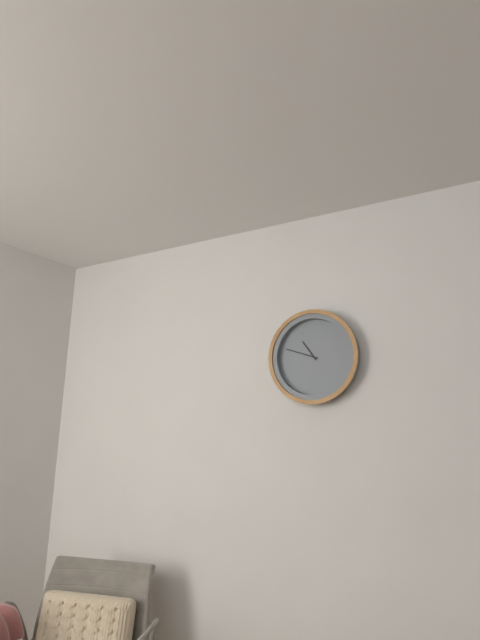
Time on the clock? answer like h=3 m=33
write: h=10 m=48
